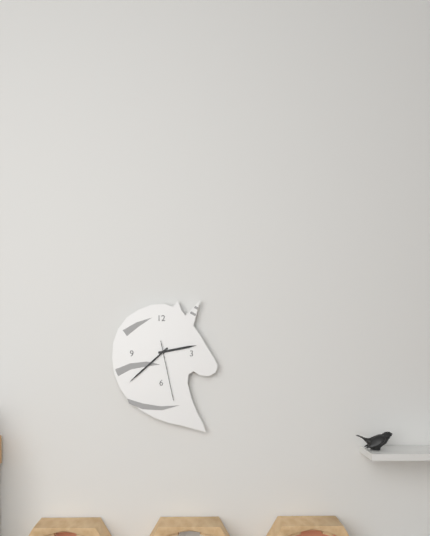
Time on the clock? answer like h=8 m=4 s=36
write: h=2 m=38 s=28
